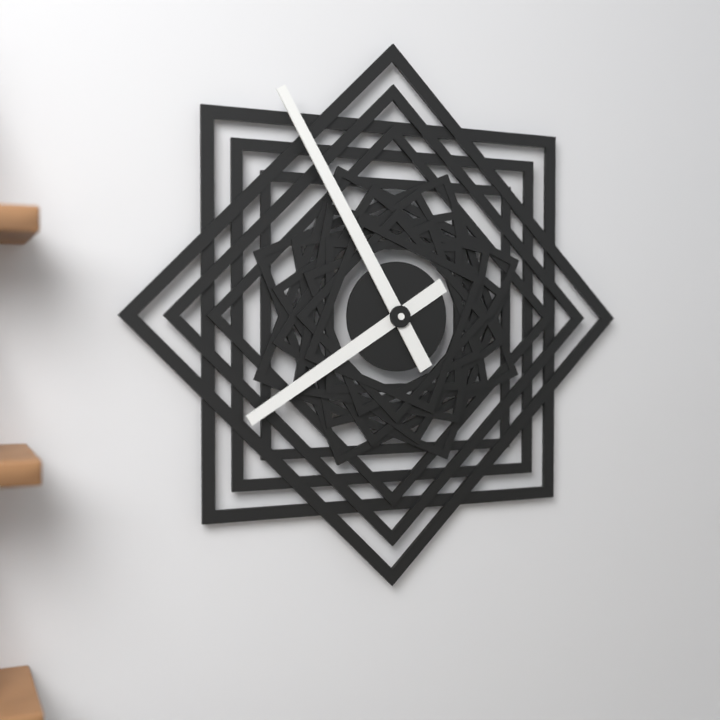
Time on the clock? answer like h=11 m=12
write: h=7 m=55
